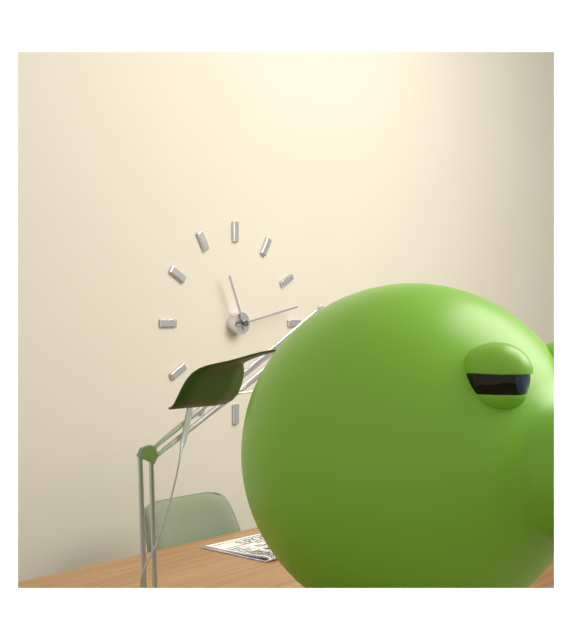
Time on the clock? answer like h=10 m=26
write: h=11 m=13
